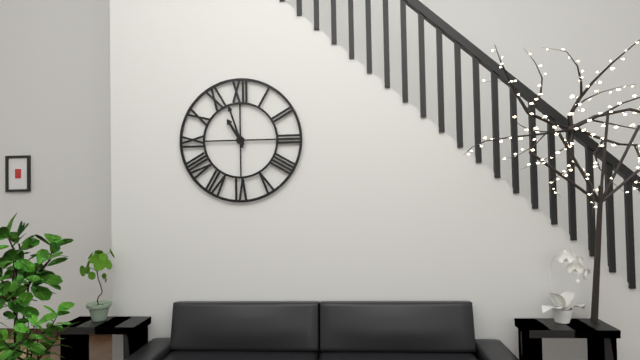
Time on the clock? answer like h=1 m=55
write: h=10 m=57
